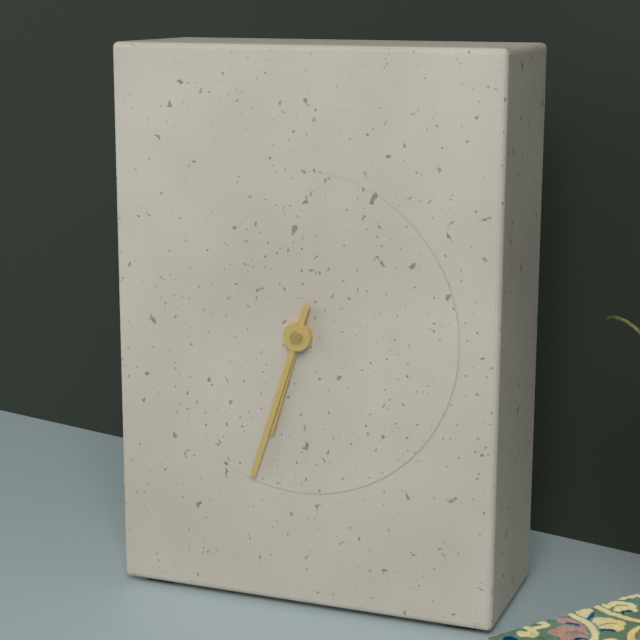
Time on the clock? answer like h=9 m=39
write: h=6 m=33
